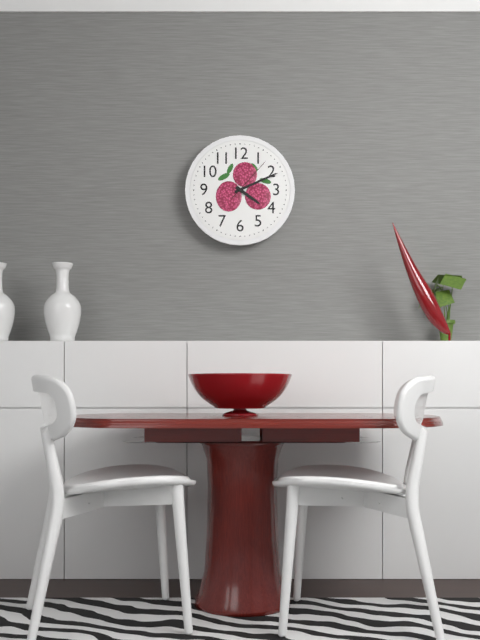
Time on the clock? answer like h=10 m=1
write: h=4 m=11
